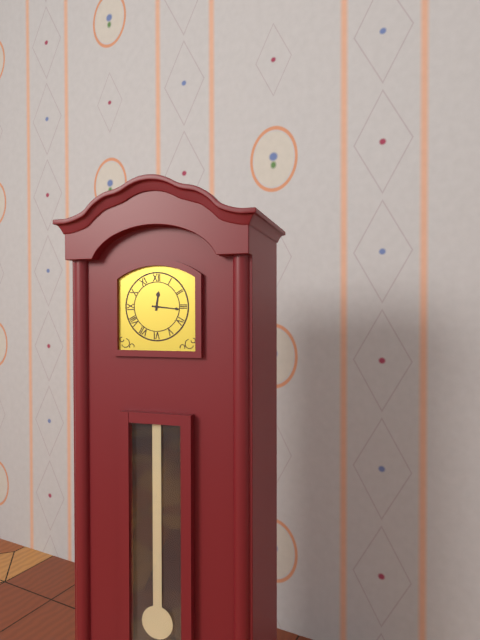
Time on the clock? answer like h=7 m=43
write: h=12 m=16
